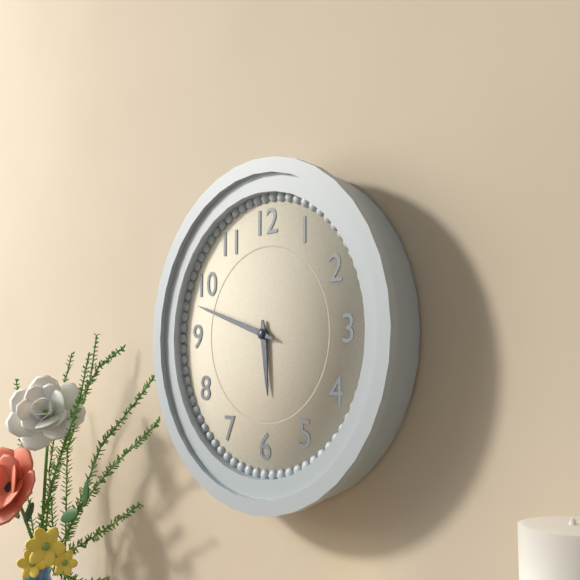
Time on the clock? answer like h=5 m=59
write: h=5 m=48
